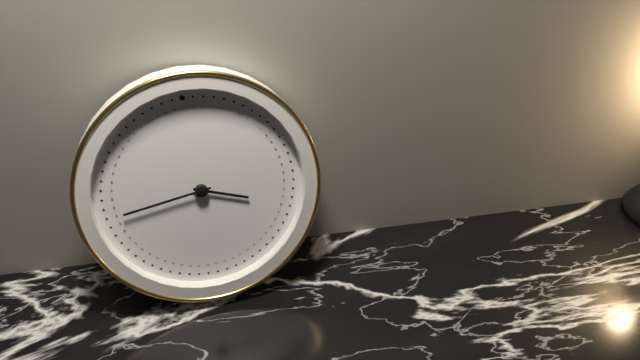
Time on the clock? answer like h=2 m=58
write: h=3 m=44
